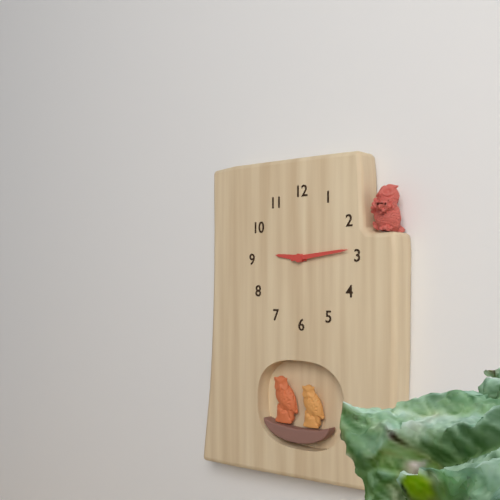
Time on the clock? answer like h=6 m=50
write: h=9 m=14
